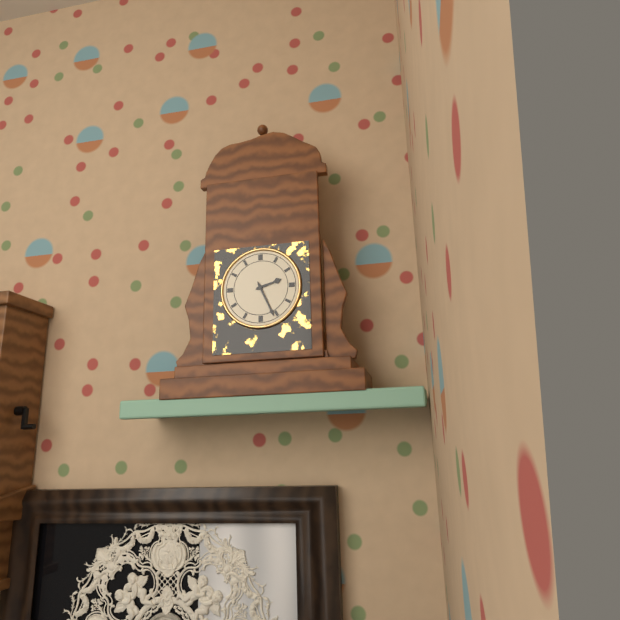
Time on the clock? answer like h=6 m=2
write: h=2 m=26
